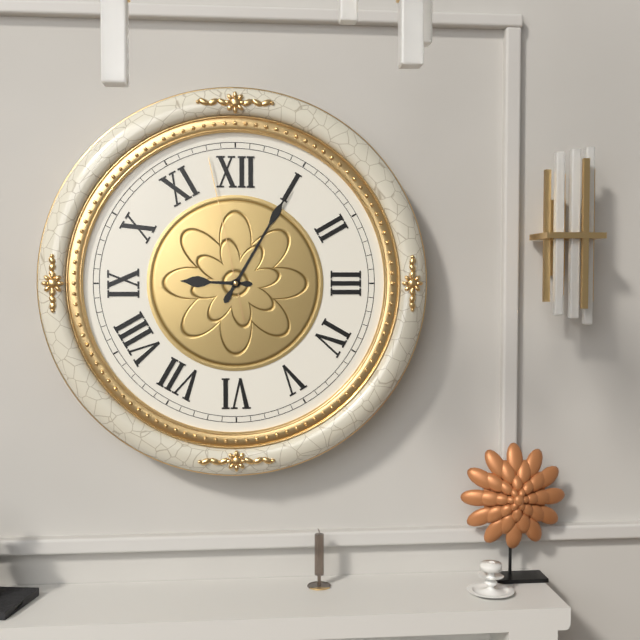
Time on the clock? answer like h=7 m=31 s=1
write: h=9 m=5 s=58
